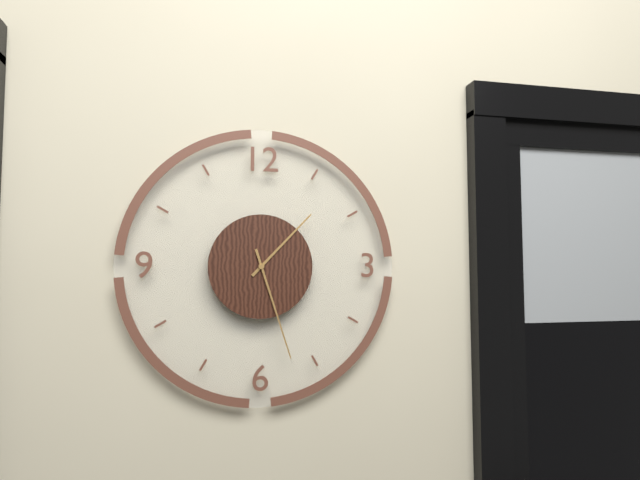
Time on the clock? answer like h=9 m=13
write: h=1 m=27
